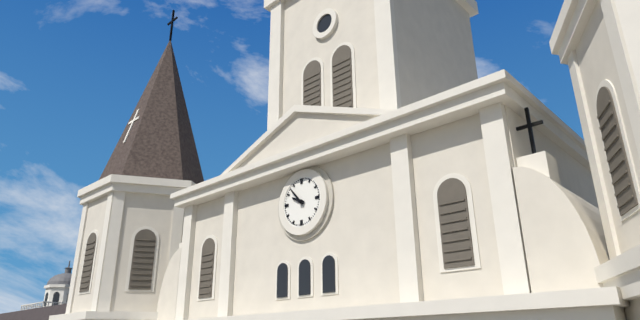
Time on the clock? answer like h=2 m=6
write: h=9 m=53
